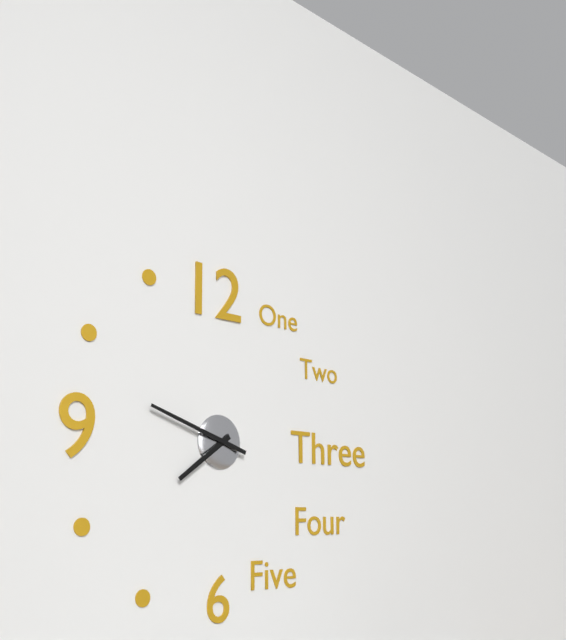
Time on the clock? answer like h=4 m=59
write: h=7 m=48
